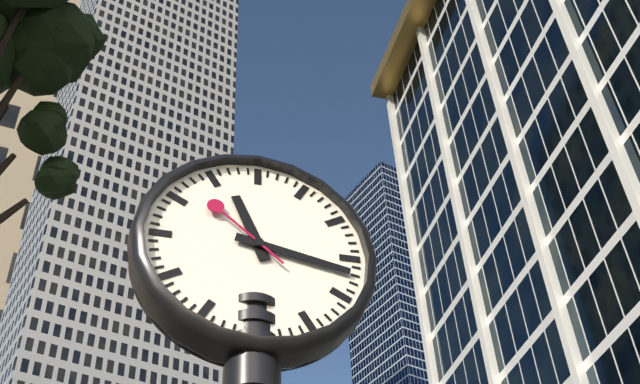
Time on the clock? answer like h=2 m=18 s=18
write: h=11 m=17 s=52
